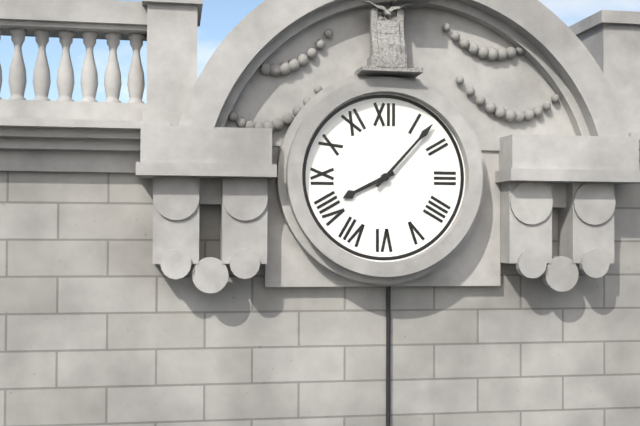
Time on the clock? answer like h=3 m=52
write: h=8 m=7
